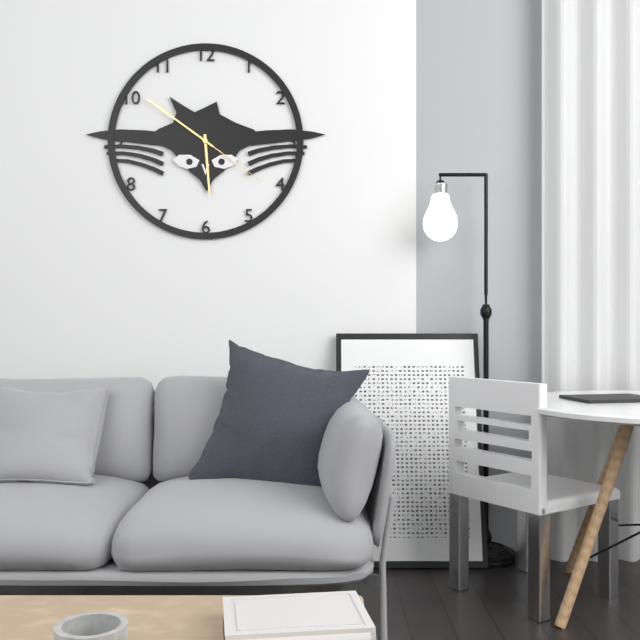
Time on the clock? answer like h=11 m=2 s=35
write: h=5 m=51 s=21
